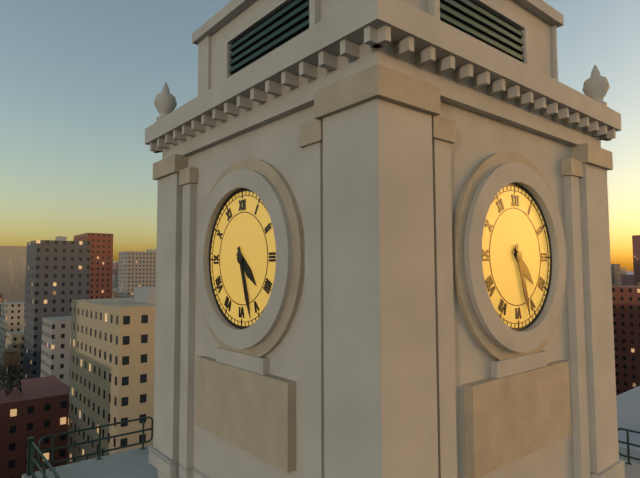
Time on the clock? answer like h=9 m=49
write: h=4 m=27
